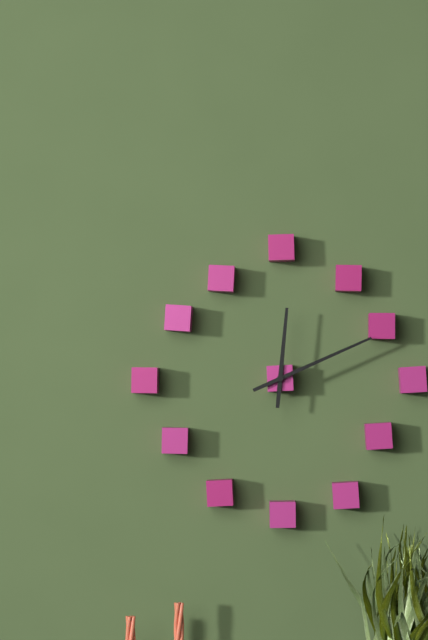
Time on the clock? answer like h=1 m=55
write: h=12 m=11
